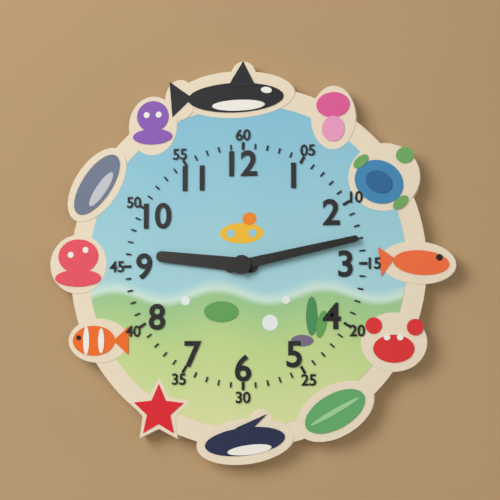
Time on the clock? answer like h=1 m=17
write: h=9 m=13
